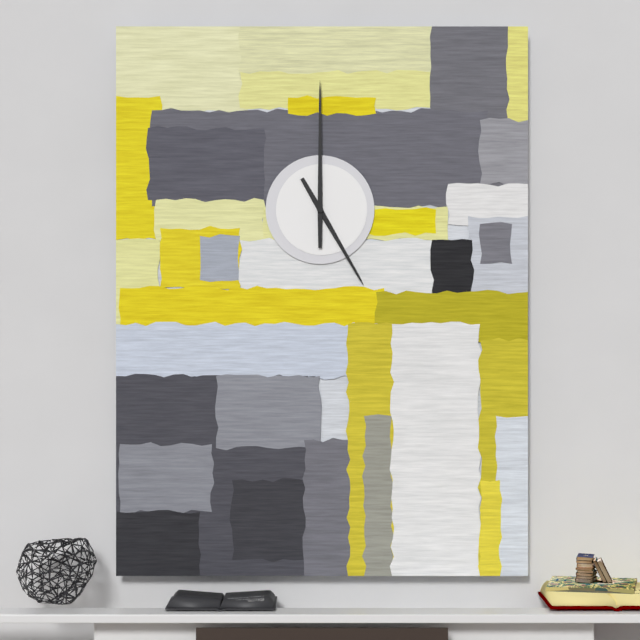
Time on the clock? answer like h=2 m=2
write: h=5 m=0
